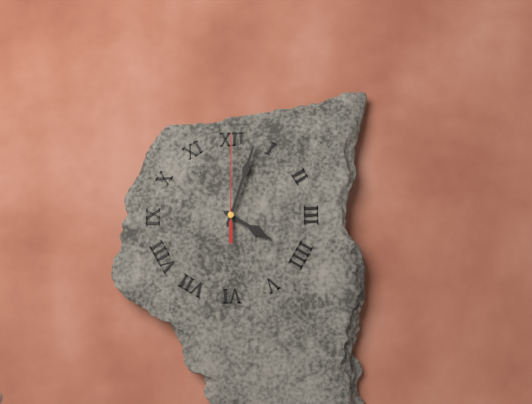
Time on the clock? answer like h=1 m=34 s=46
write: h=4 m=3 s=0
